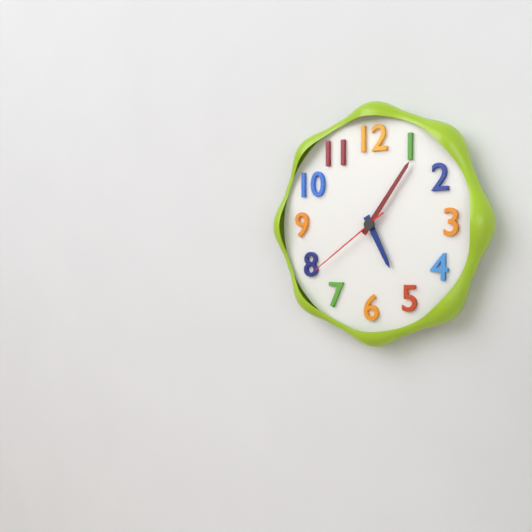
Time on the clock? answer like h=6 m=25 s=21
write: h=5 m=6 s=39
